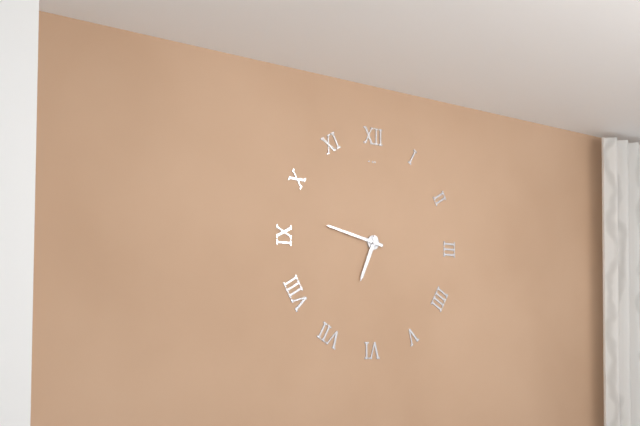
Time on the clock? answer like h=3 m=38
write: h=6 m=47
